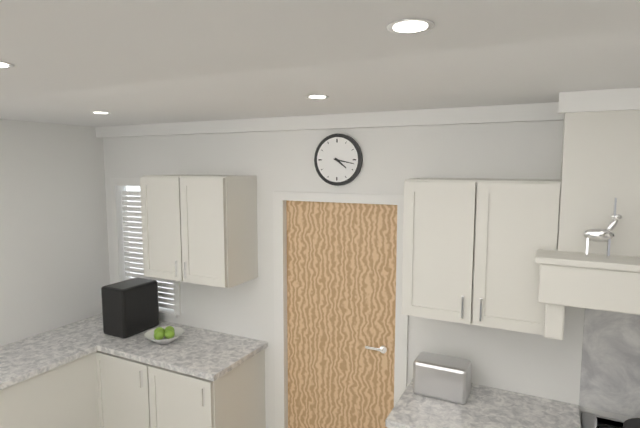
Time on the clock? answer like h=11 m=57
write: h=4 m=17
